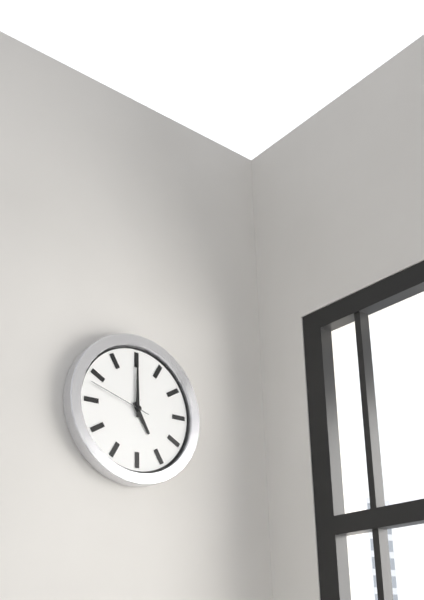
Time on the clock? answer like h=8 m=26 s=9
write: h=5 m=0 s=48
